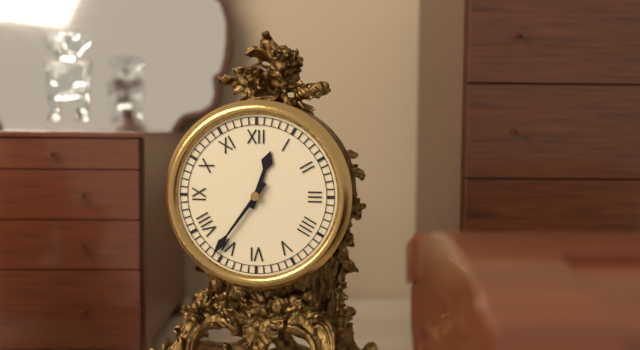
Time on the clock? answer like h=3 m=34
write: h=12 m=36
